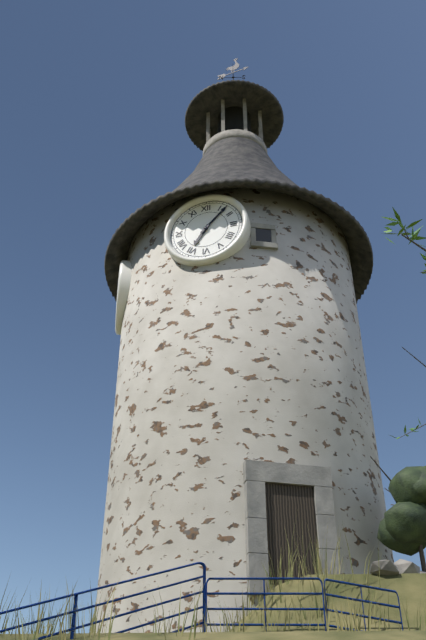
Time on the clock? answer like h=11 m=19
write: h=7 m=7
